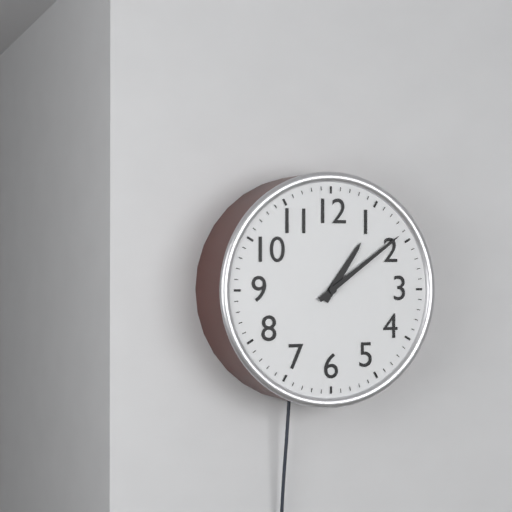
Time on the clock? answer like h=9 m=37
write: h=1 m=9
